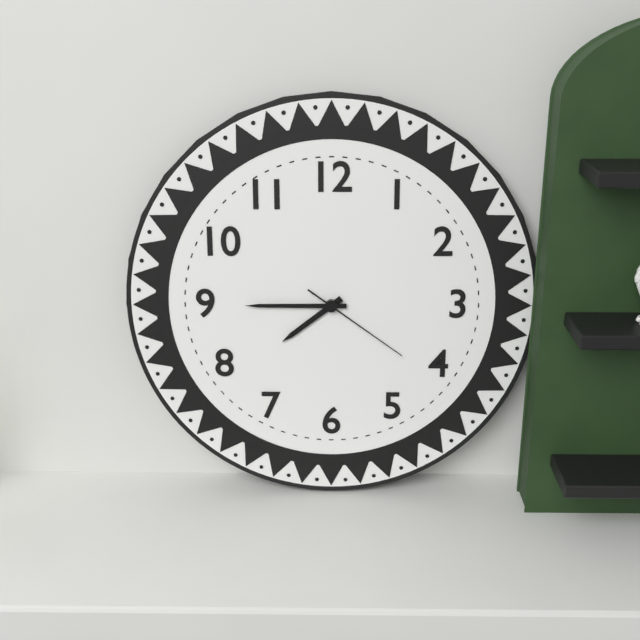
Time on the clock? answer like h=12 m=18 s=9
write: h=7 m=45 s=21
